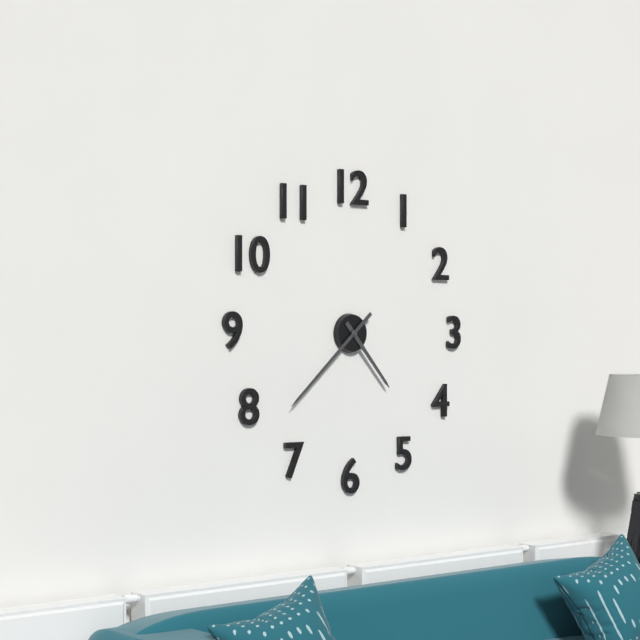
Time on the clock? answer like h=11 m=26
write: h=4 m=38
